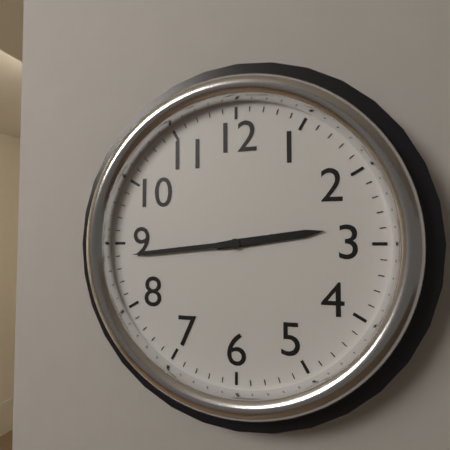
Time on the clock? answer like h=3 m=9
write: h=2 m=44
